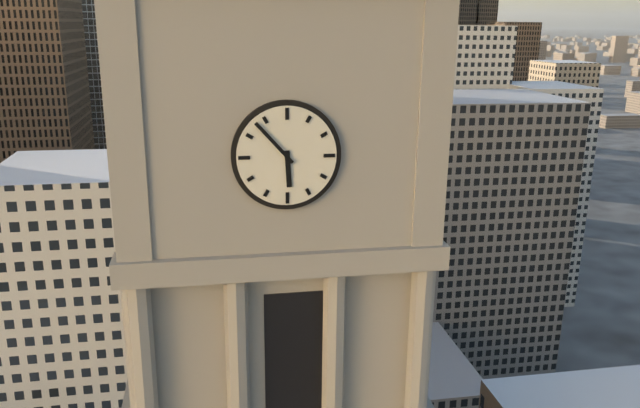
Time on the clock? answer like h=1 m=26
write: h=5 m=53
